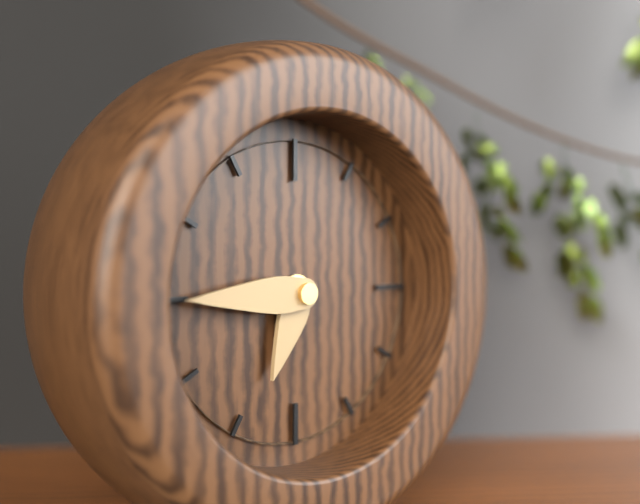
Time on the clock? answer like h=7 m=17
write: h=6 m=45
